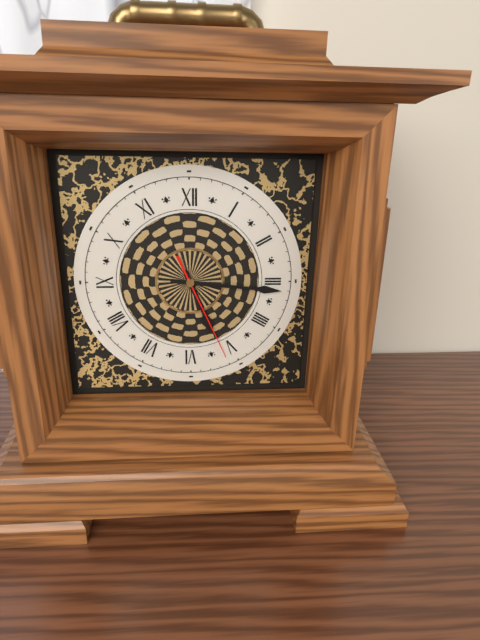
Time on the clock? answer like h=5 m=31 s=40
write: h=5 m=16 s=26
